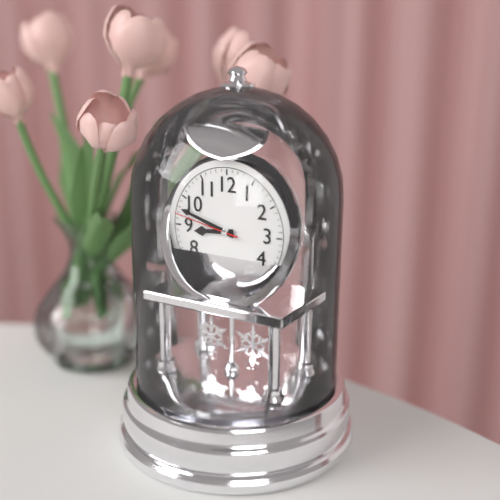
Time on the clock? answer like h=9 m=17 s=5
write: h=8 m=48 s=47
